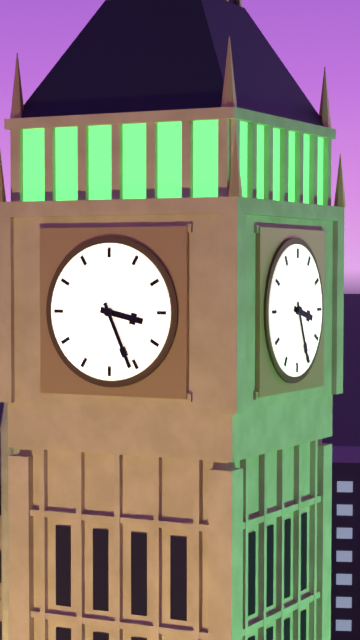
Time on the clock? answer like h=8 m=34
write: h=3 m=26
